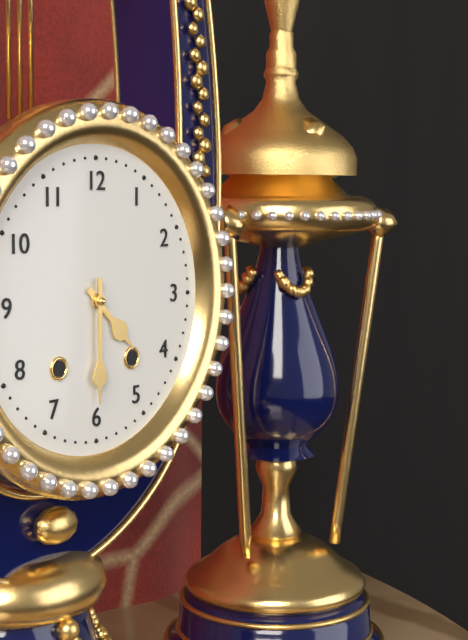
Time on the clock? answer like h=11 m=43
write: h=4 m=30
